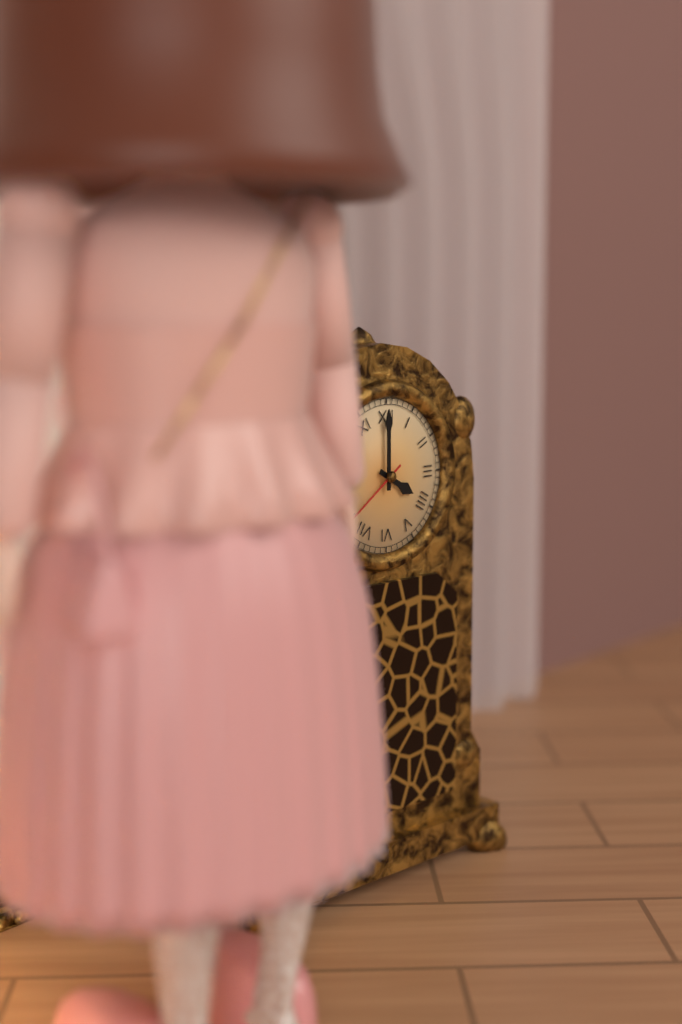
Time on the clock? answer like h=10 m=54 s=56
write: h=4 m=0 s=39
